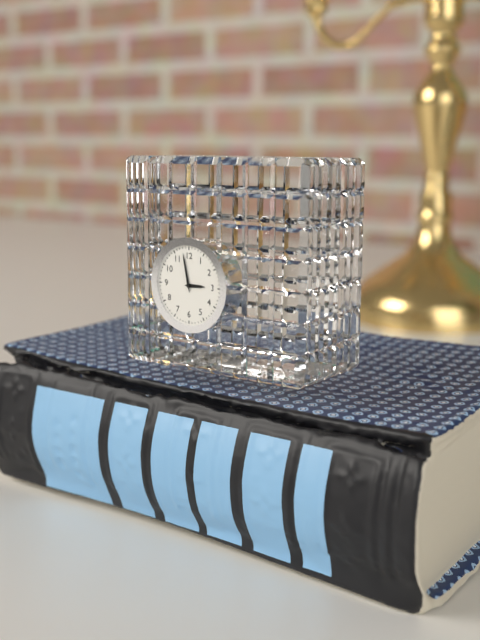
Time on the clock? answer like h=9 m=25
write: h=2 m=58
